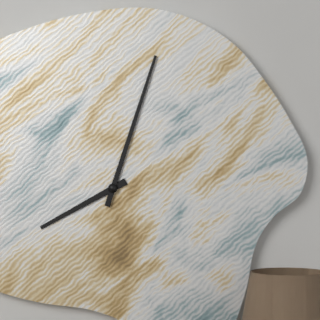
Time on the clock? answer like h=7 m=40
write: h=8 m=3
